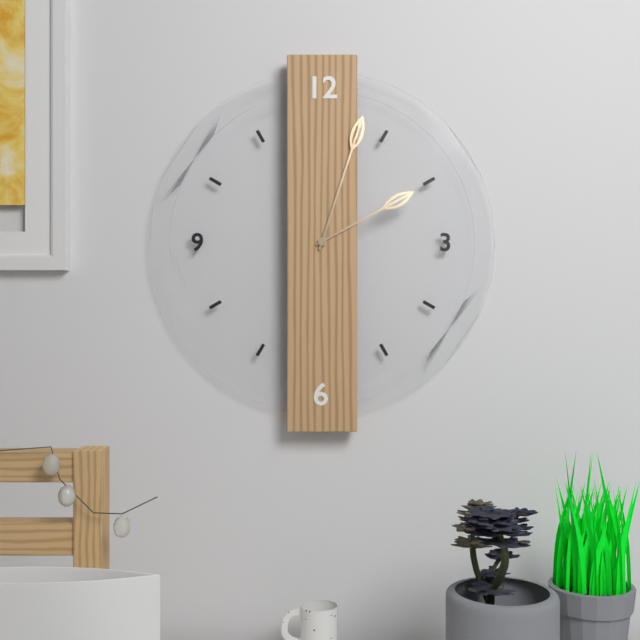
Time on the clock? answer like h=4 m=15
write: h=2 m=3
